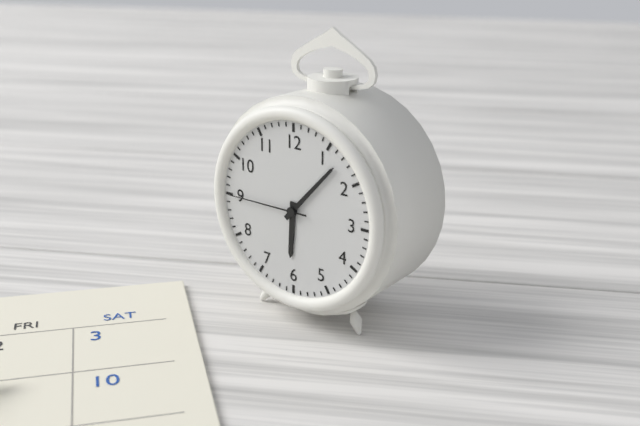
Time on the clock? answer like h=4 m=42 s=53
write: h=6 m=7 s=45
